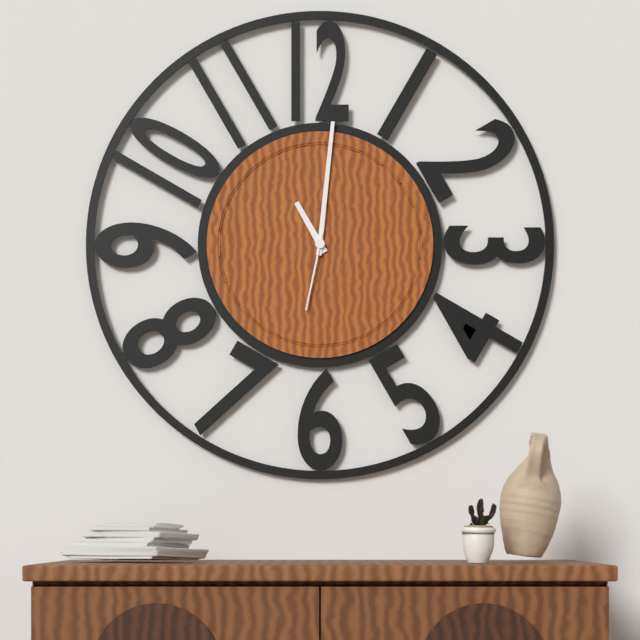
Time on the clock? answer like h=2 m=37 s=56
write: h=11 m=1 s=32
